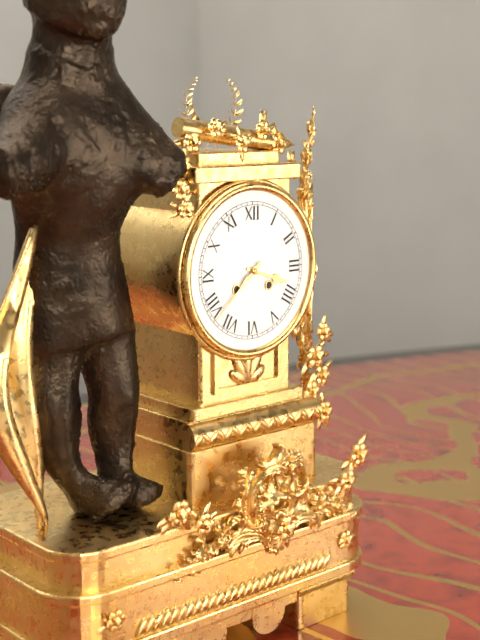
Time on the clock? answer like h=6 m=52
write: h=3 m=38
